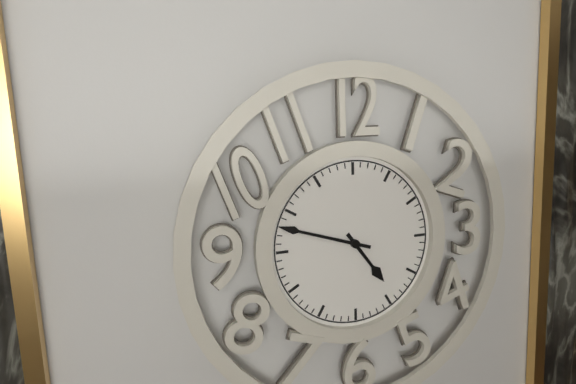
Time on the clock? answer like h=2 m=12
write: h=4 m=48
